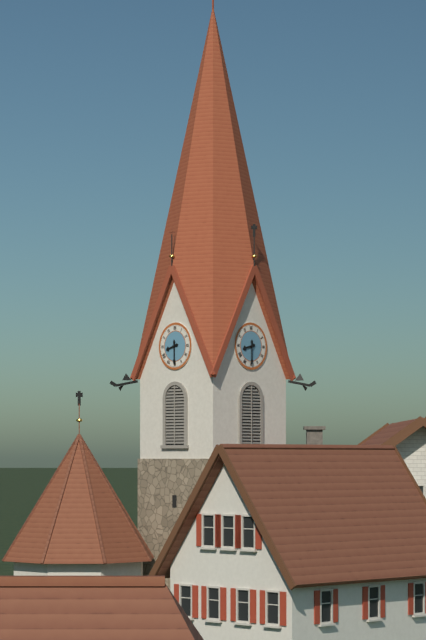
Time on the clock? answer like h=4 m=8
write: h=8 m=30
